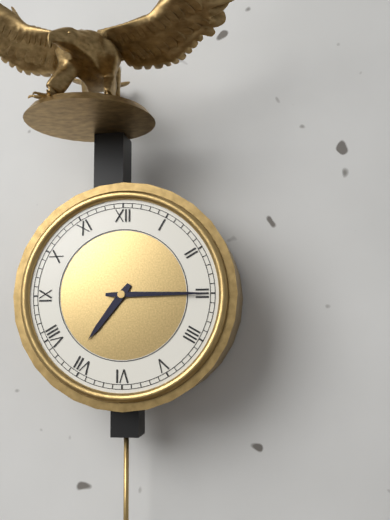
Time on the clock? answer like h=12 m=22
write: h=7 m=15
